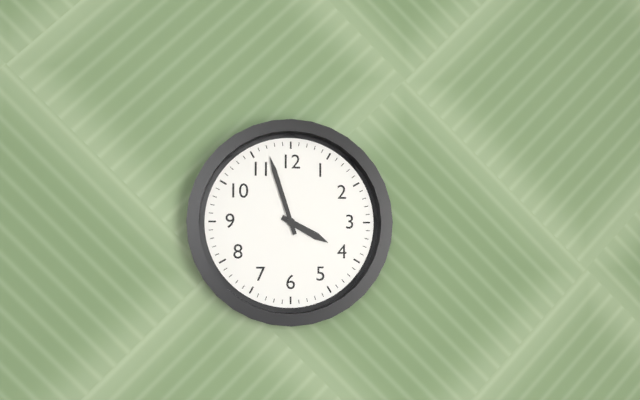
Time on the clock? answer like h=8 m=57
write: h=3 m=57
